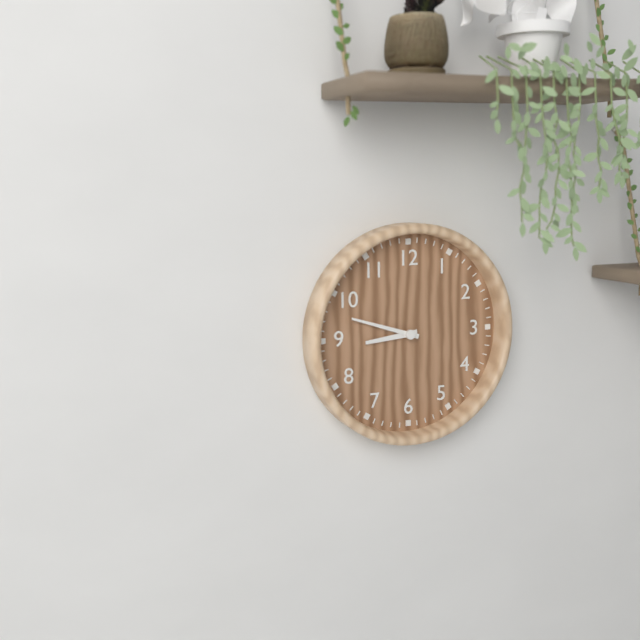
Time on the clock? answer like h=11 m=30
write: h=8 m=48
